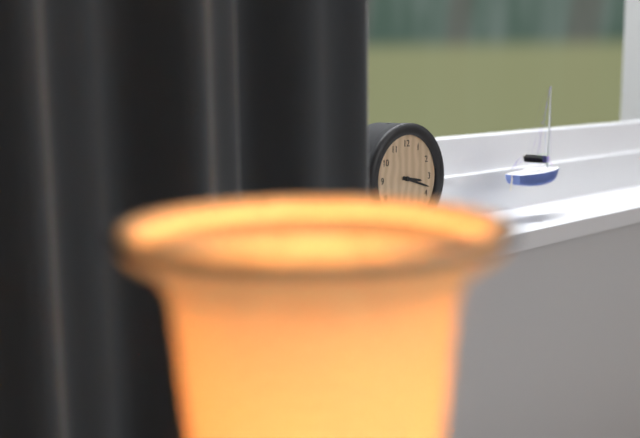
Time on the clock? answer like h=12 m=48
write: h=3 m=18
